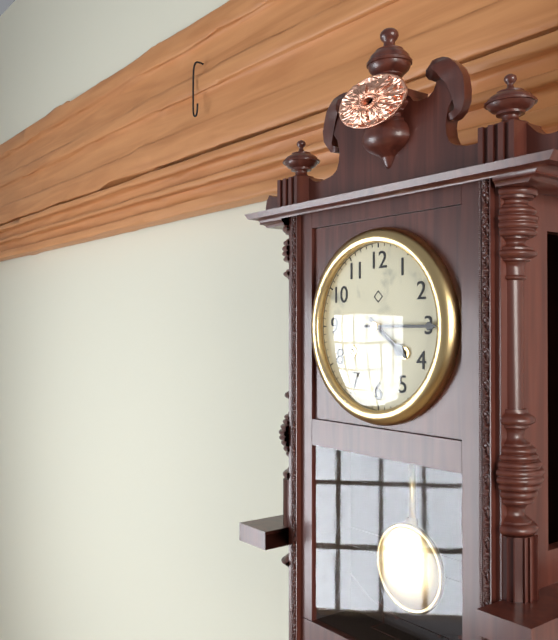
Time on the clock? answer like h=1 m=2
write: h=4 m=15
